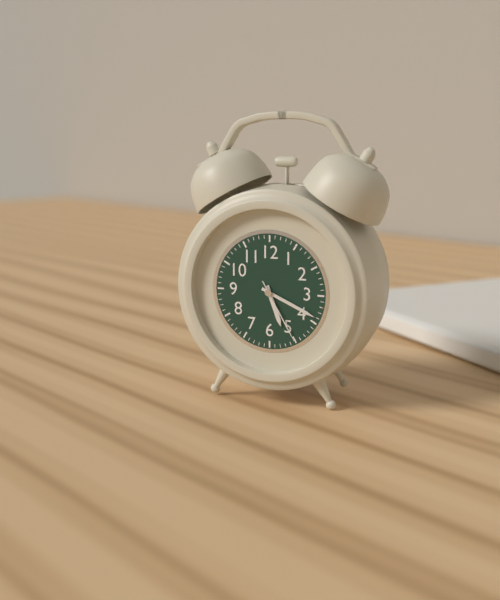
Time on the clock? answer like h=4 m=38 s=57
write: h=5 m=19 s=25
